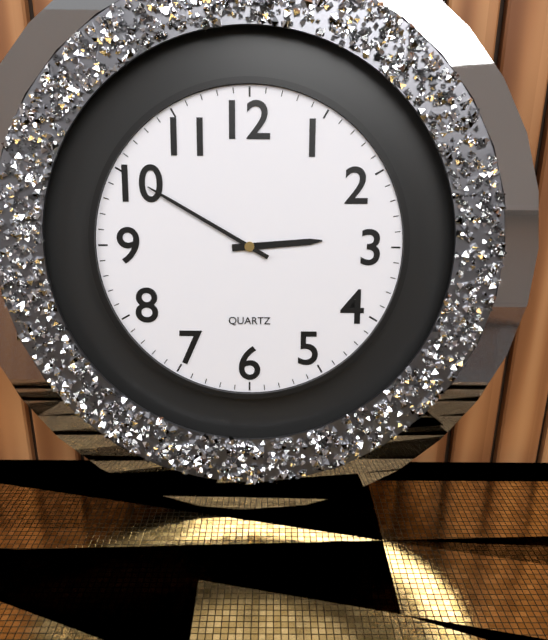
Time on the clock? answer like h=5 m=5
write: h=2 m=50
